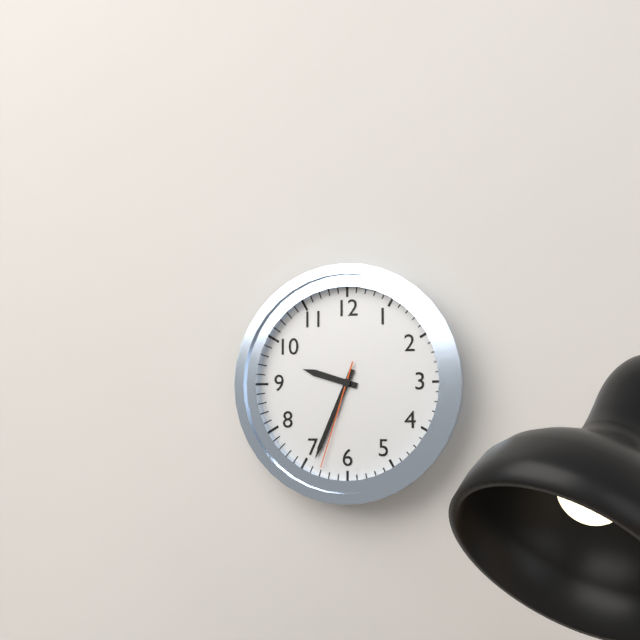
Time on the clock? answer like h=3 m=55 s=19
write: h=9 m=34 s=33
